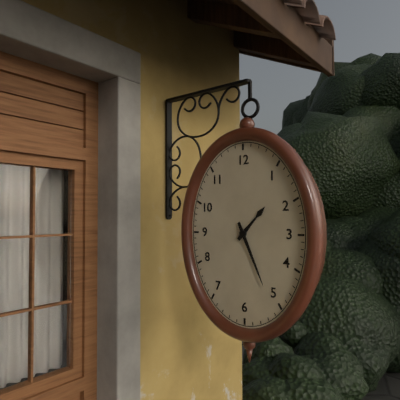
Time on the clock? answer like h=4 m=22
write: h=1 m=26
